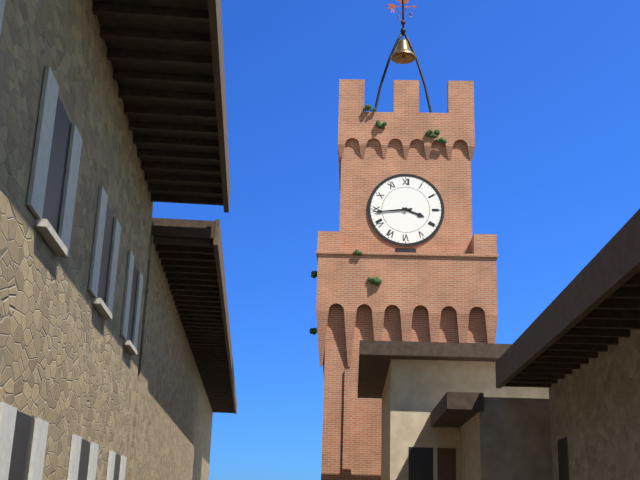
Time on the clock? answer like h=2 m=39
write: h=3 m=44
